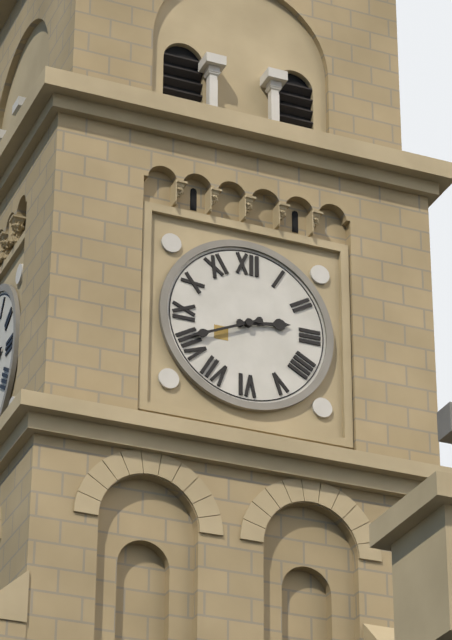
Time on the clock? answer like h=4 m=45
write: h=2 m=41
